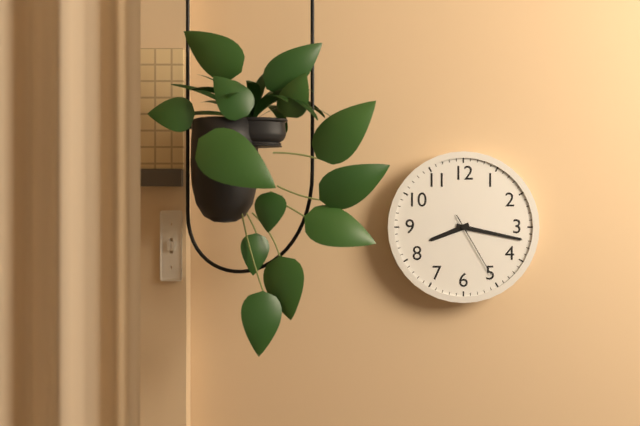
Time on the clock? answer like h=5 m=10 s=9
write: h=8 m=17 s=25
